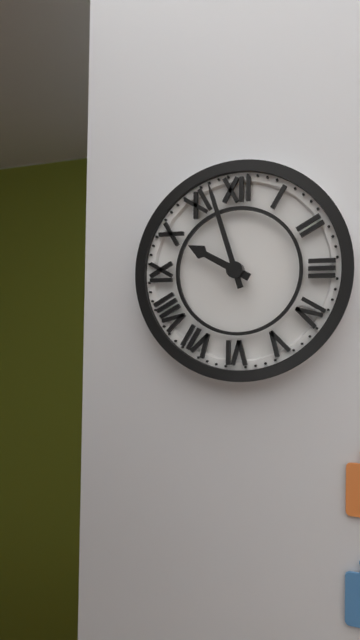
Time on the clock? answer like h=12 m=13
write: h=9 m=57
